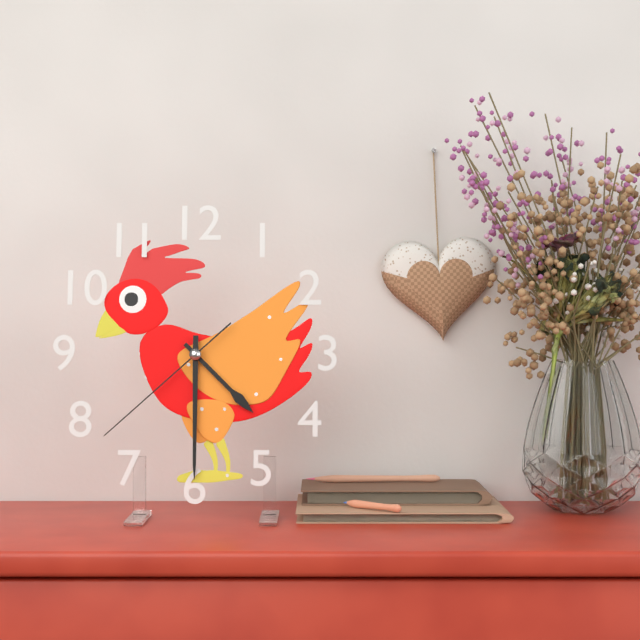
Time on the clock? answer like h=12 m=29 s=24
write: h=4 m=30 s=38
